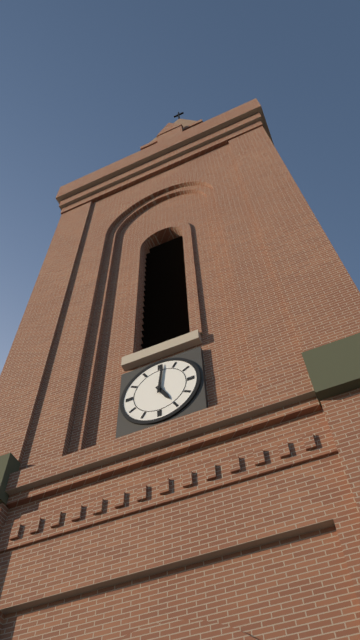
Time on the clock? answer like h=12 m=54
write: h=5 m=1
